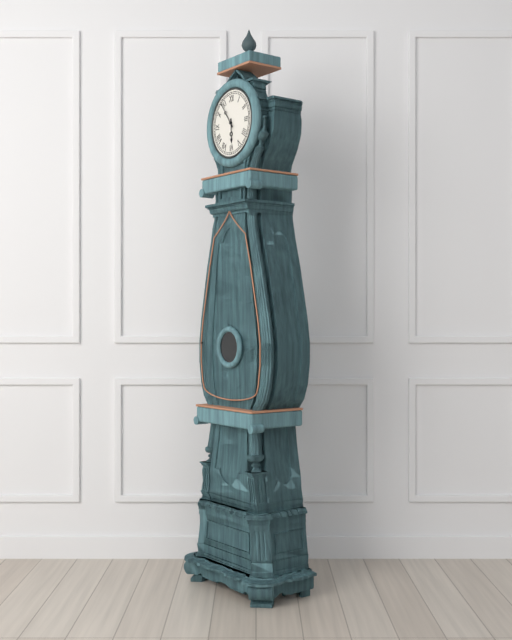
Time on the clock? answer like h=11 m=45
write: h=5 m=54
